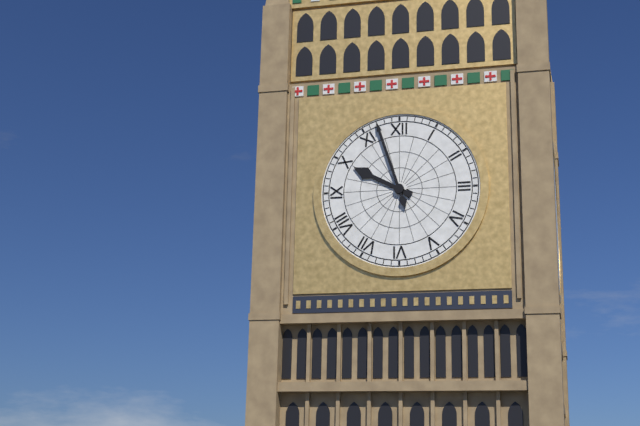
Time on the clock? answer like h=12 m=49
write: h=9 m=57
